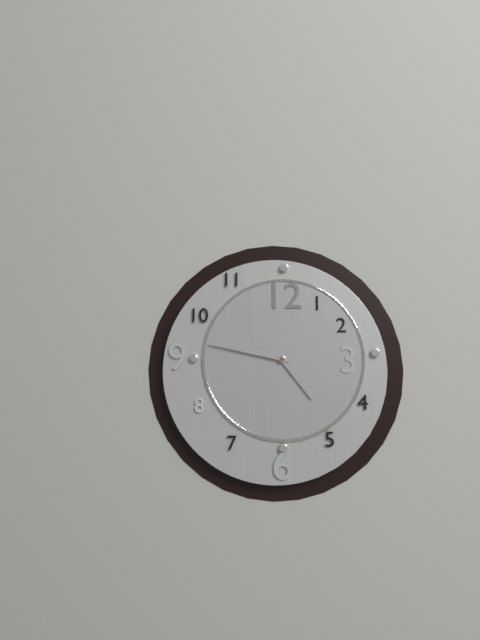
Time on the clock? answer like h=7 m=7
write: h=4 m=47
